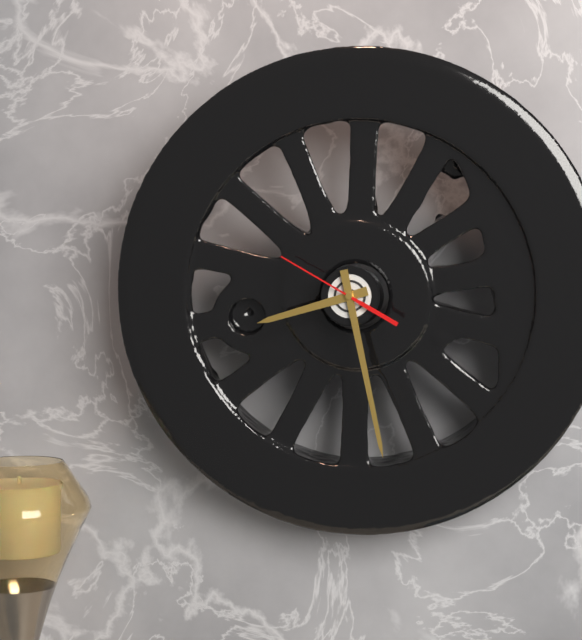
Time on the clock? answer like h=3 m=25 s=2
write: h=8 m=28 s=50
